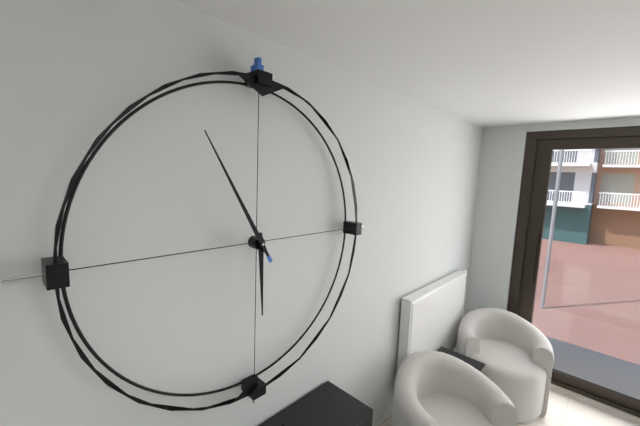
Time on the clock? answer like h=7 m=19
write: h=5 m=55
